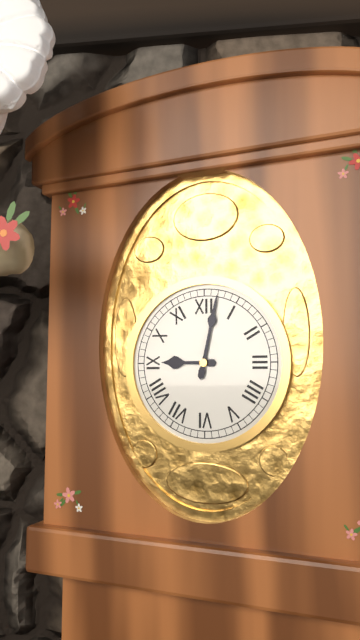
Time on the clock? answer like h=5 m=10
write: h=9 m=2
